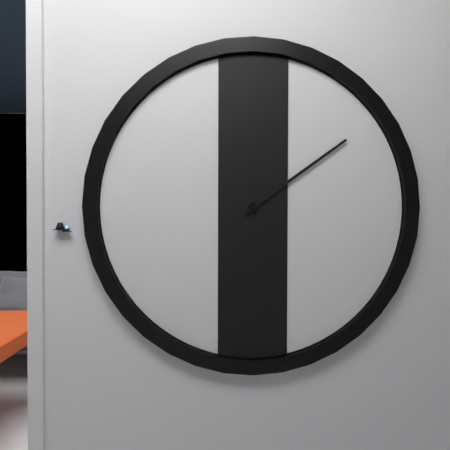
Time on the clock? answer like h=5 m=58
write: h=12 m=9
